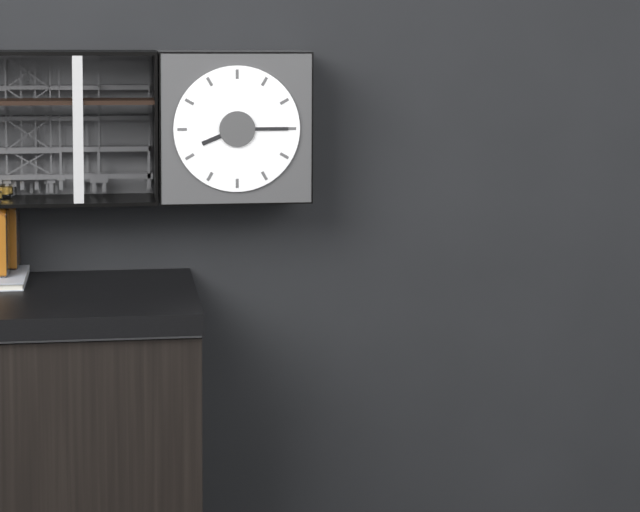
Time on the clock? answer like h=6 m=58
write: h=8 m=15
